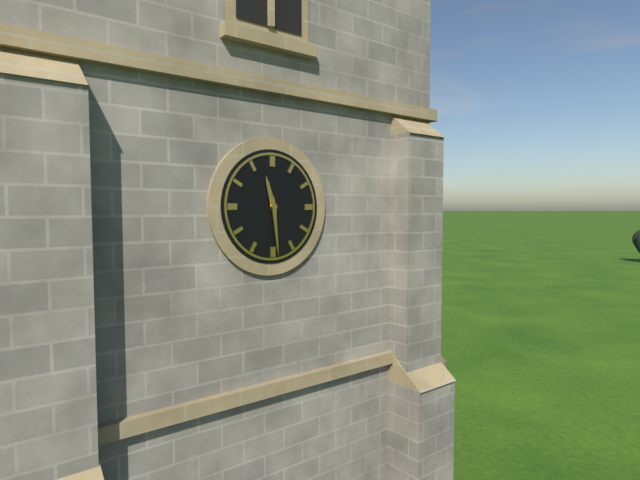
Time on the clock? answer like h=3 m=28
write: h=11 m=29
